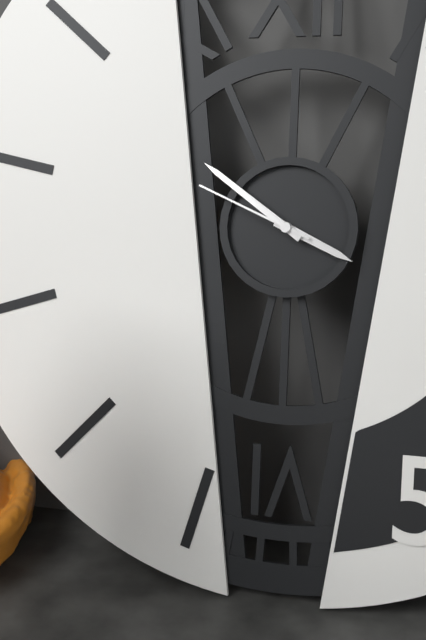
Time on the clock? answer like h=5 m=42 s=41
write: h=3 m=51 s=49
